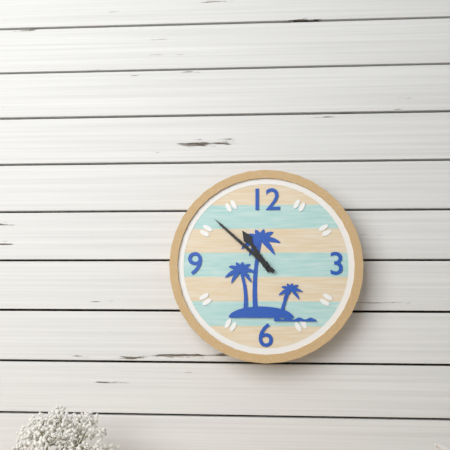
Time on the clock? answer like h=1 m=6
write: h=10 m=52
